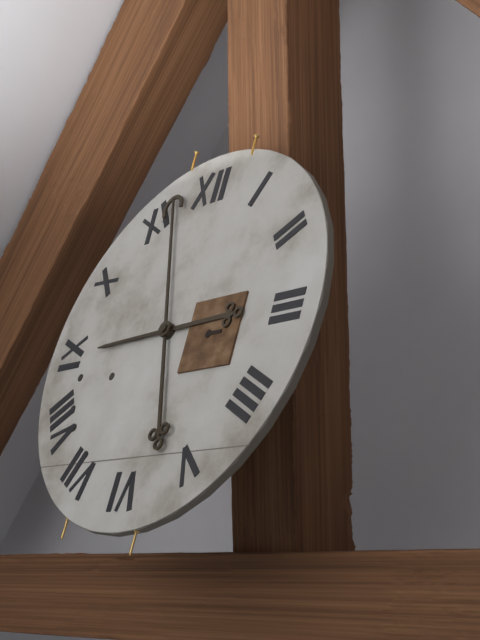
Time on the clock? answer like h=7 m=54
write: h=8 m=57
